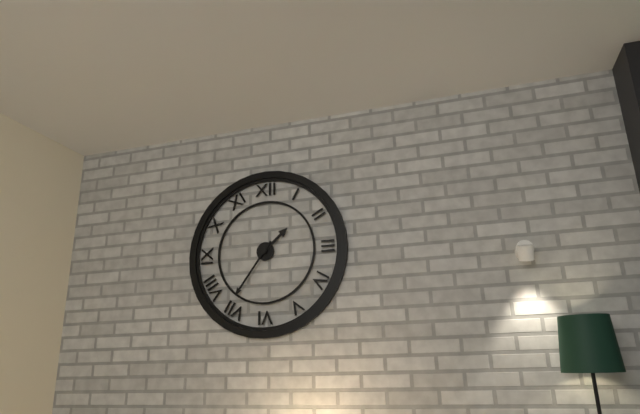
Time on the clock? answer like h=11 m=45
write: h=1 m=36
